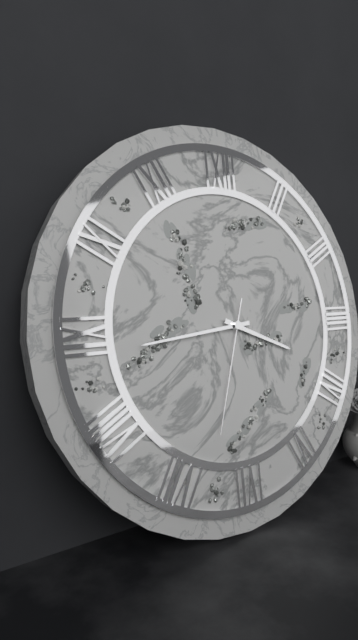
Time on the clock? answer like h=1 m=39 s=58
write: h=3 m=44 s=33
